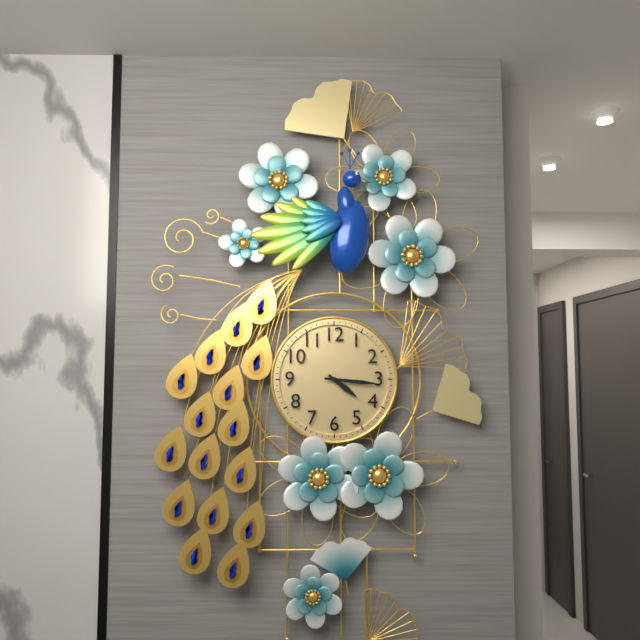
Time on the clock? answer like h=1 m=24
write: h=4 m=16
